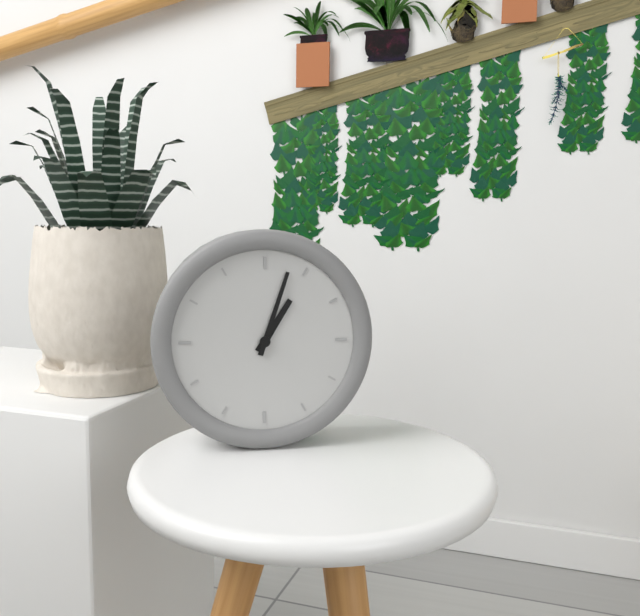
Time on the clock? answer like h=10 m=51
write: h=1 m=3
